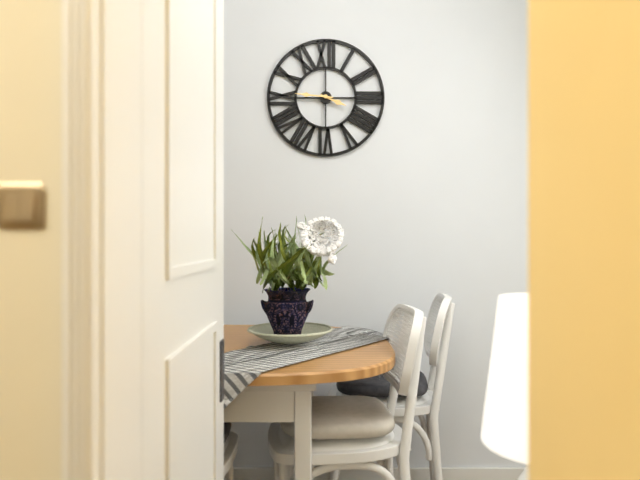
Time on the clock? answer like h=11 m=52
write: h=3 m=46
